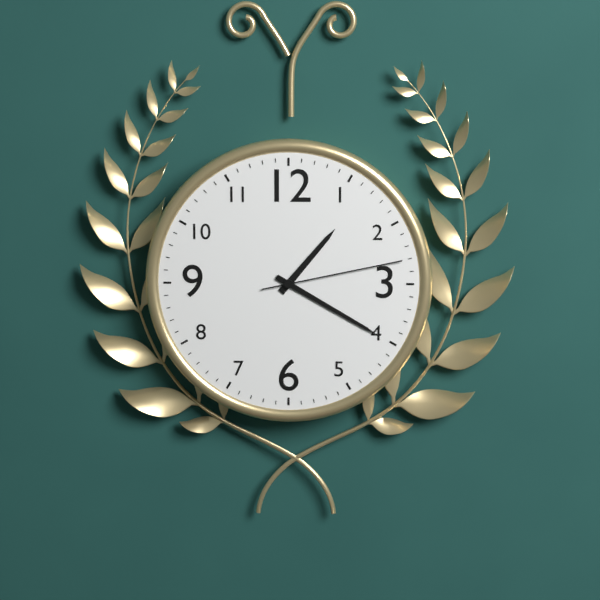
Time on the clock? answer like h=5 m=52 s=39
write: h=1 m=20 s=13
